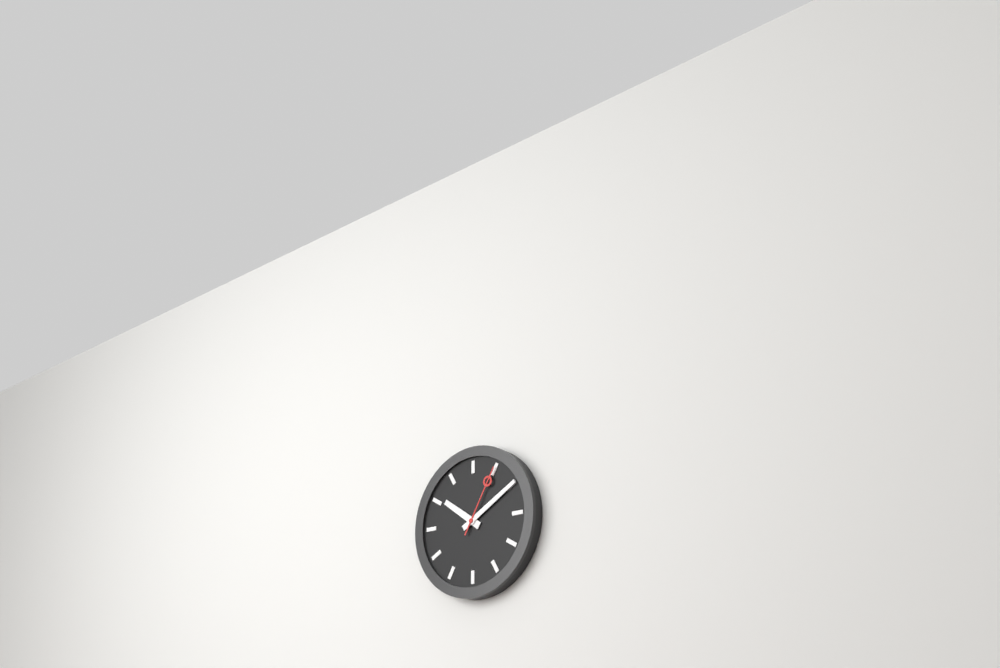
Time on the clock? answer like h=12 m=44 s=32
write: h=10 m=10 s=5
